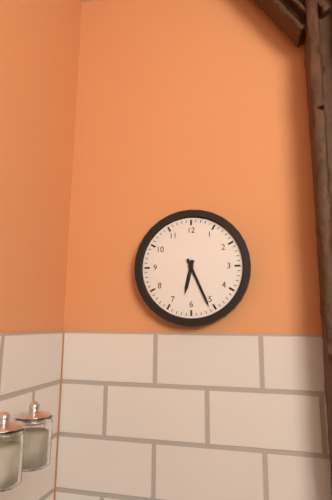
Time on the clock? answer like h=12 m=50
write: h=6 m=26
